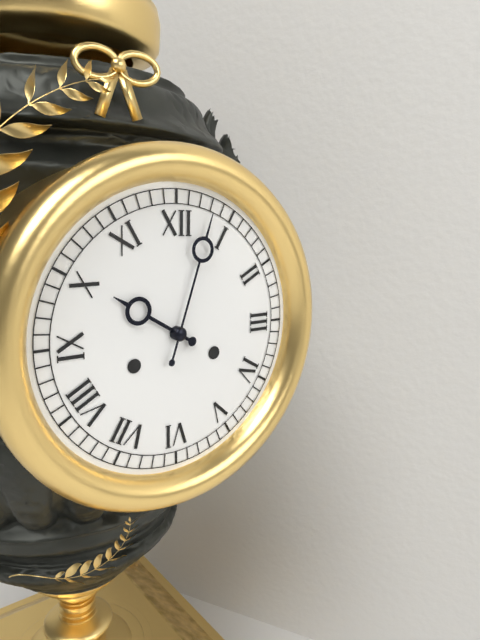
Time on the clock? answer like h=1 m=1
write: h=10 m=3
